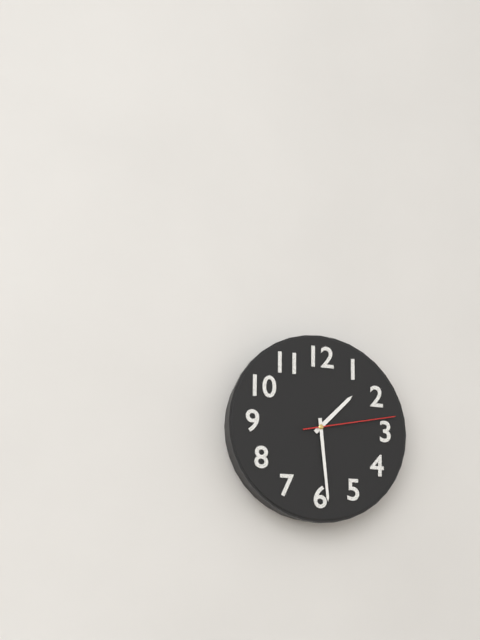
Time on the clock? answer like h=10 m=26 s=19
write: h=1 m=29 s=13
